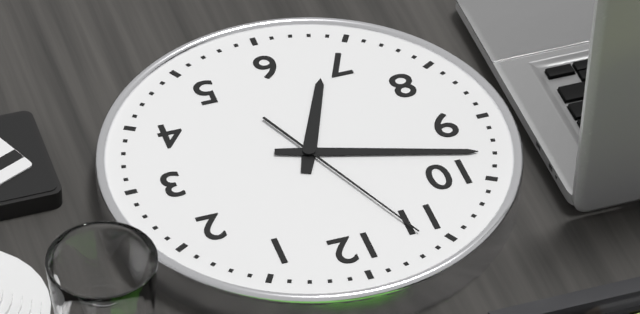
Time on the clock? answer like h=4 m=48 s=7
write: h=6 m=48 s=56
